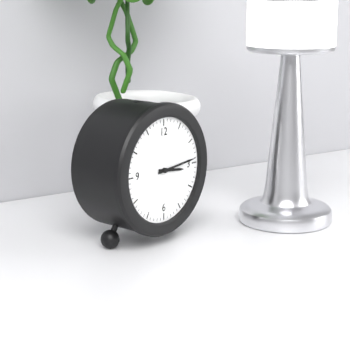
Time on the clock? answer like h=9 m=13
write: h=3 m=14
